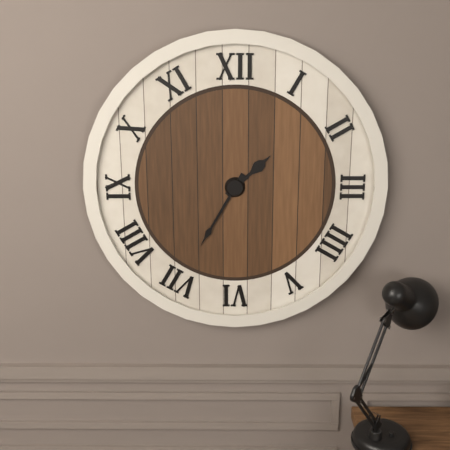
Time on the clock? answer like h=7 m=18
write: h=1 m=35
